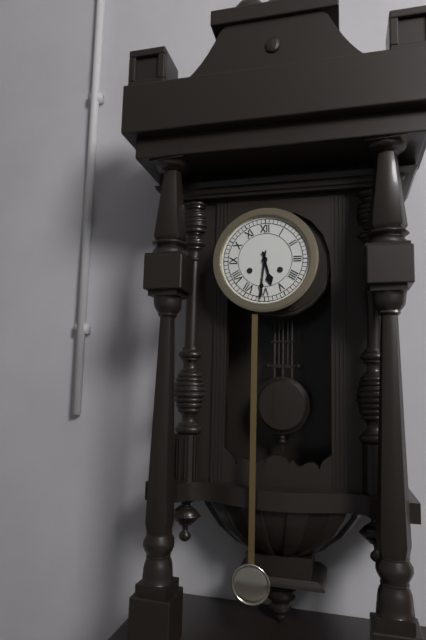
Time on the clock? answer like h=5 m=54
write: h=5 m=31
